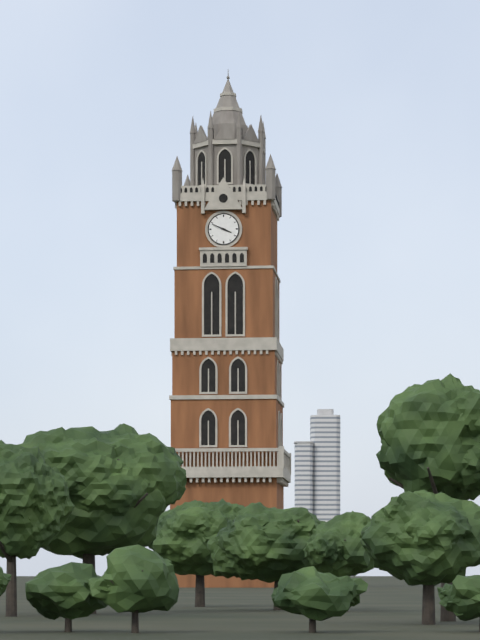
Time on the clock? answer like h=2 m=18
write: h=3 m=49
